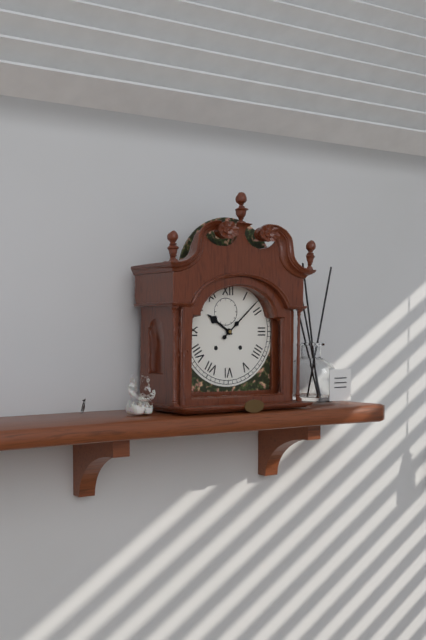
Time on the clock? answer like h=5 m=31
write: h=10 m=8
